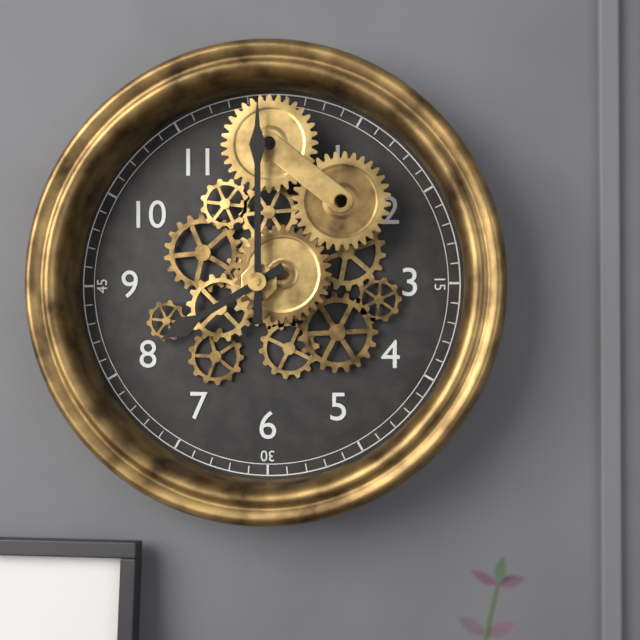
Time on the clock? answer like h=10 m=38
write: h=8 m=0
